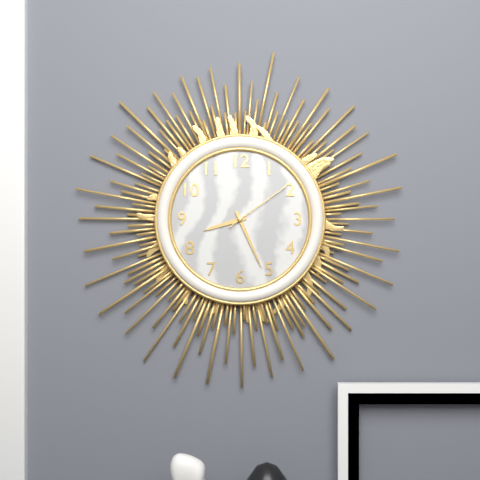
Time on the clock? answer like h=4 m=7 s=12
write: h=8 m=26 s=9
